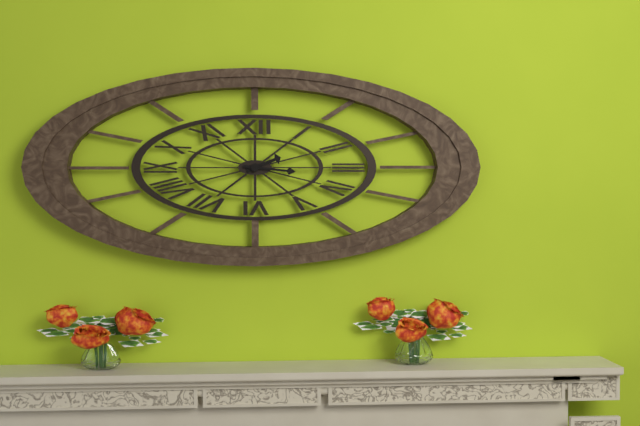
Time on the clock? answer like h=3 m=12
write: h=2 m=16
